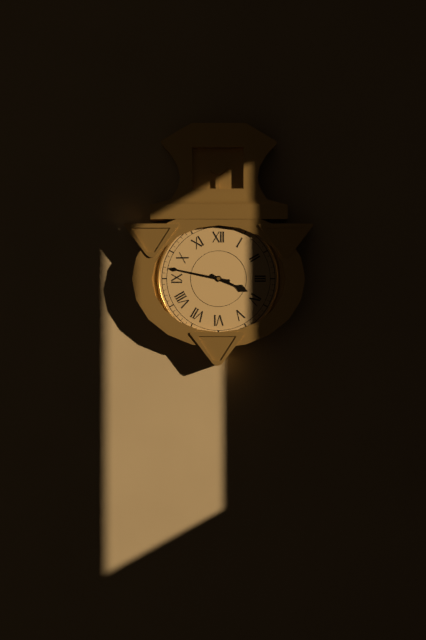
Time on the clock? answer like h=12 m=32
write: h=3 m=47
